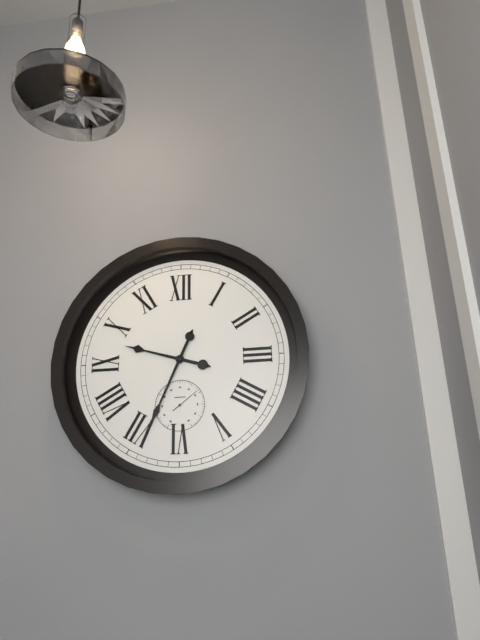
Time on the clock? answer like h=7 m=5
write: h=9 m=34
